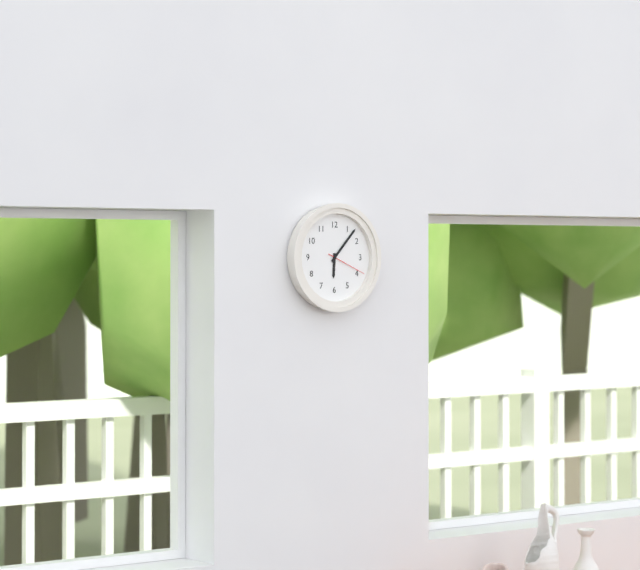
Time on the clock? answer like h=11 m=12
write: h=6 m=7
